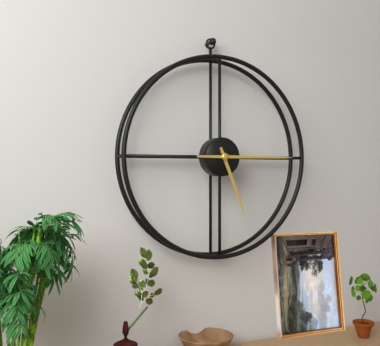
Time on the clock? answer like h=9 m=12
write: h=5 m=15
